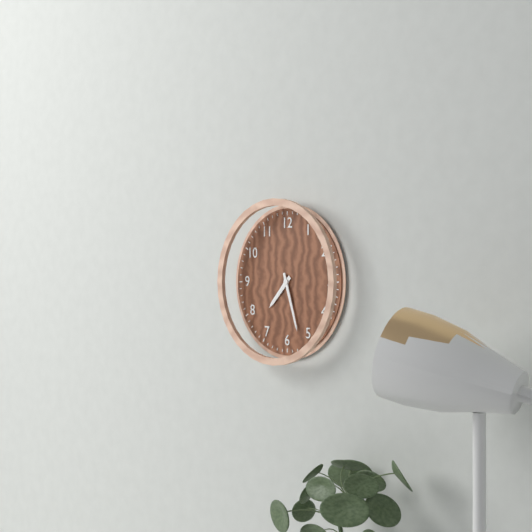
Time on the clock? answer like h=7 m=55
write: h=7 m=27
